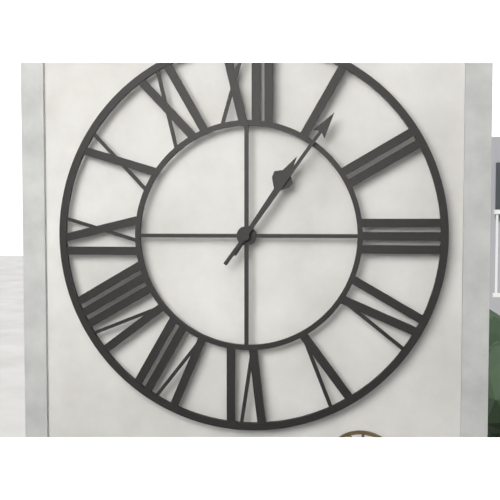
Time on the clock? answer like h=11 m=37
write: h=1 m=6
